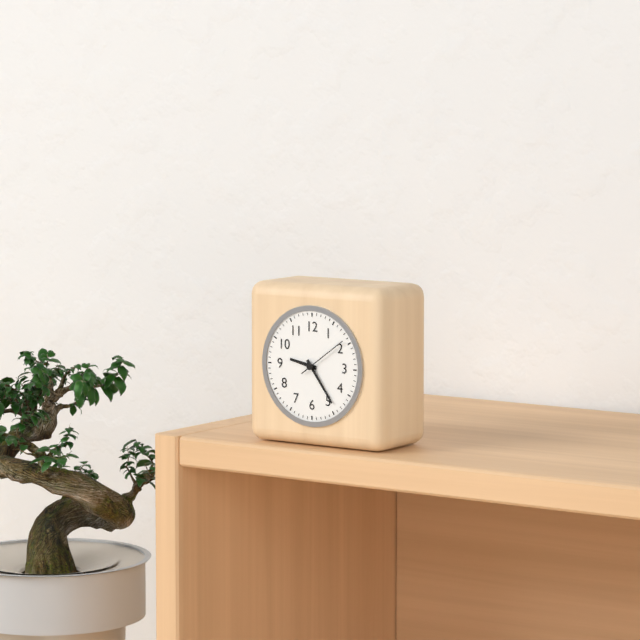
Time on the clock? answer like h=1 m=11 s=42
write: h=9 m=24 s=9
